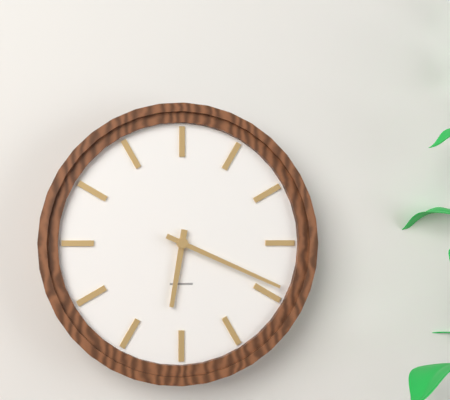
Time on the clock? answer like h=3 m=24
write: h=6 m=19
